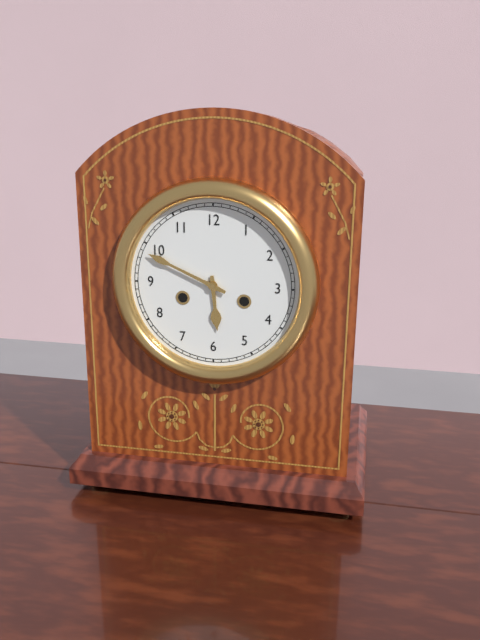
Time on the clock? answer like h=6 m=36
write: h=5 m=49
